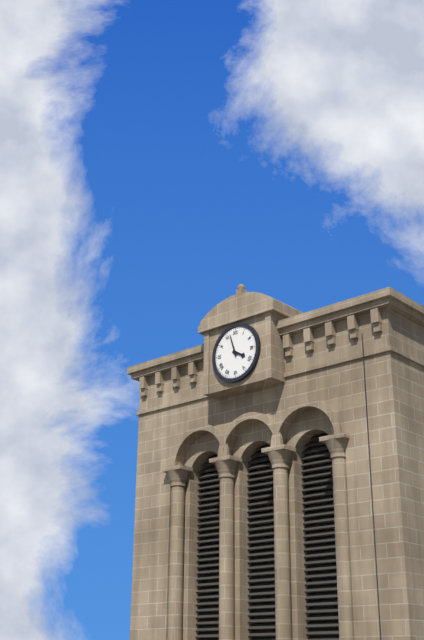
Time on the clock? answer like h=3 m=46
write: h=3 m=57
